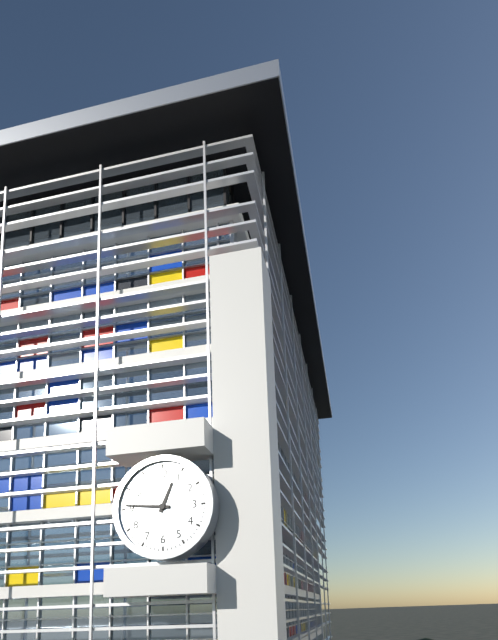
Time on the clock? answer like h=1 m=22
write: h=12 m=46
